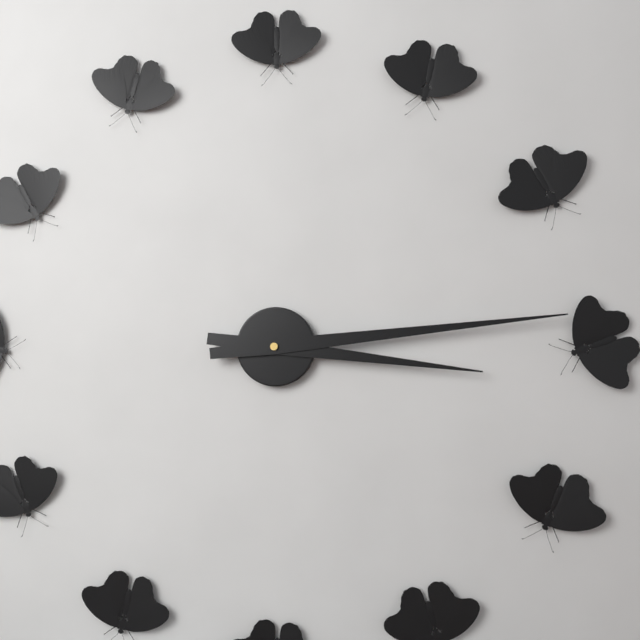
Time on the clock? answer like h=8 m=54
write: h=3 m=14
